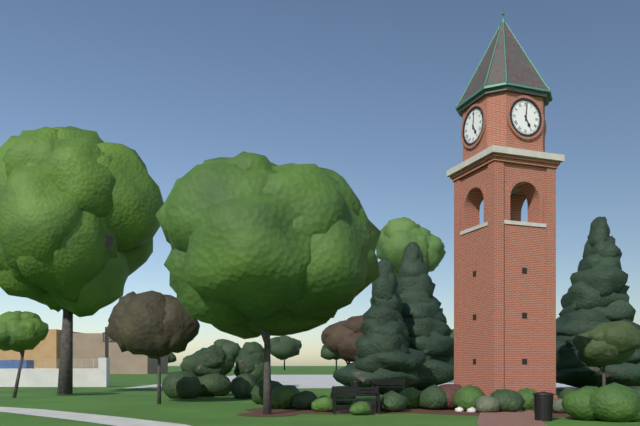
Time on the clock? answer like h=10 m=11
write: h=5 m=1
